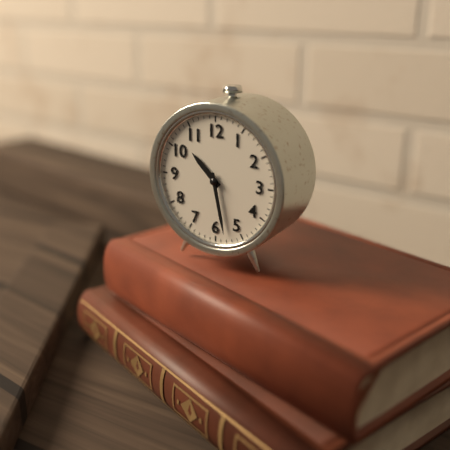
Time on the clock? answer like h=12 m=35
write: h=10 m=28
